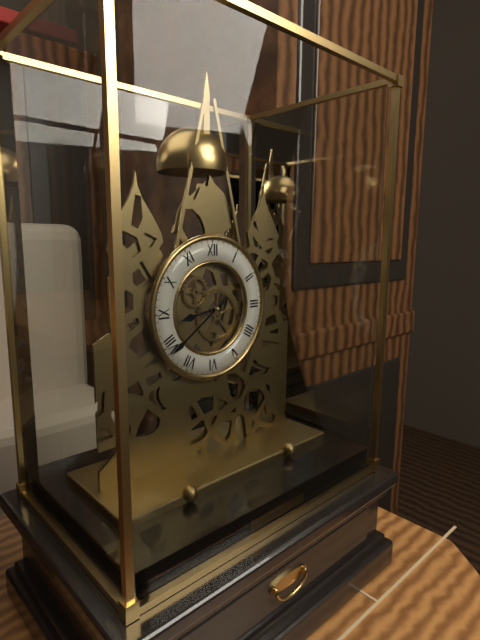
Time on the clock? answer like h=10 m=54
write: h=8 m=39
